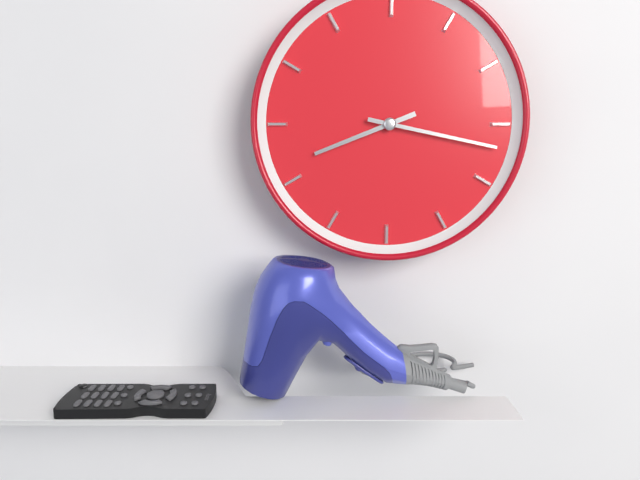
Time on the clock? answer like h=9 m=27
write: h=8 m=17
